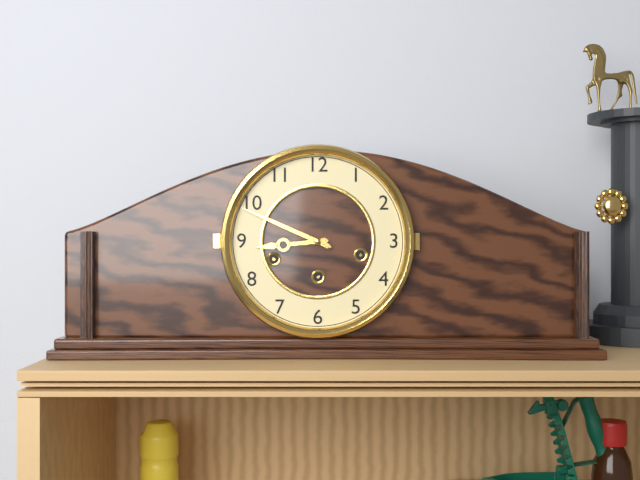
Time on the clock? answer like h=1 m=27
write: h=8 m=49
